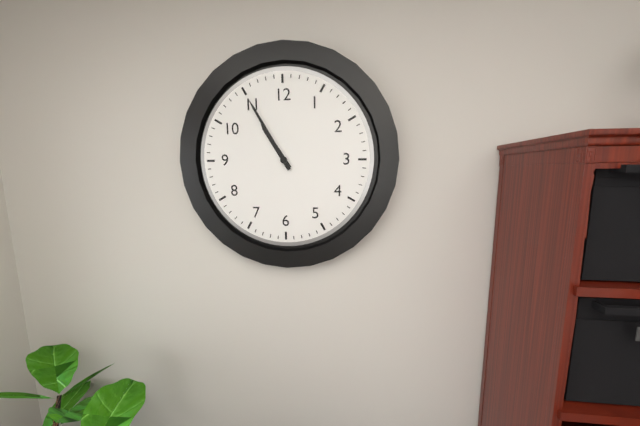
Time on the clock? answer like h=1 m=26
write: h=10 m=55
